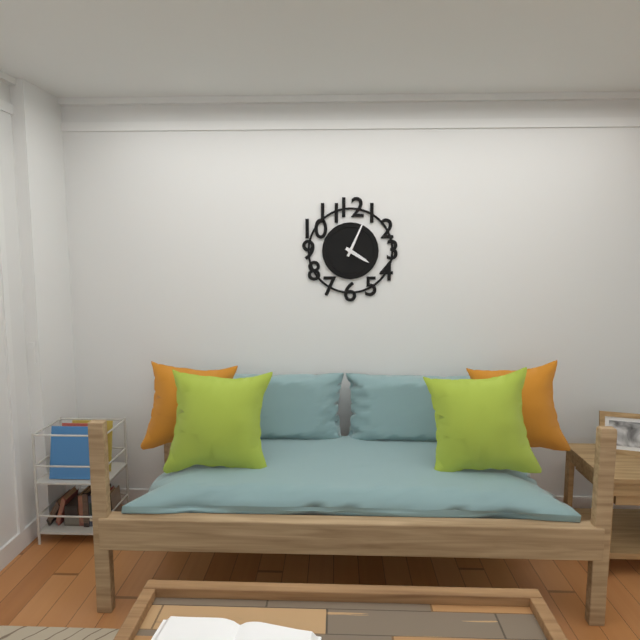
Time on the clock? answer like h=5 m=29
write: h=4 m=4
